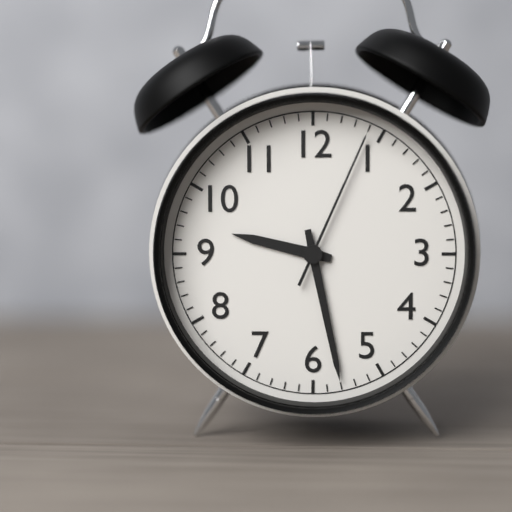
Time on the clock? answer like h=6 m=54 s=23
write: h=9 m=28 s=4
